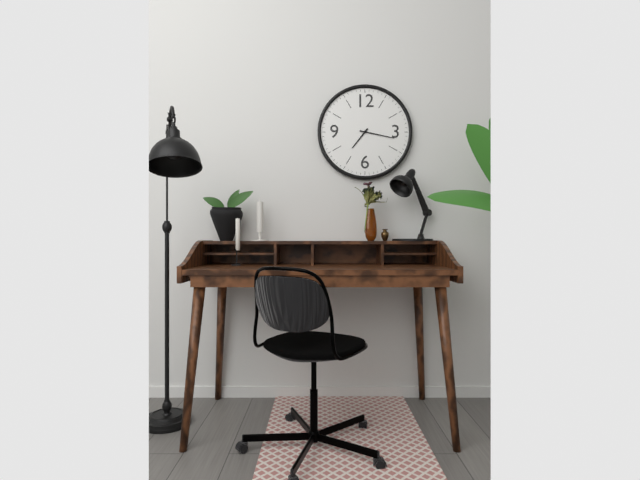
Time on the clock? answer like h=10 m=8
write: h=7 m=17
